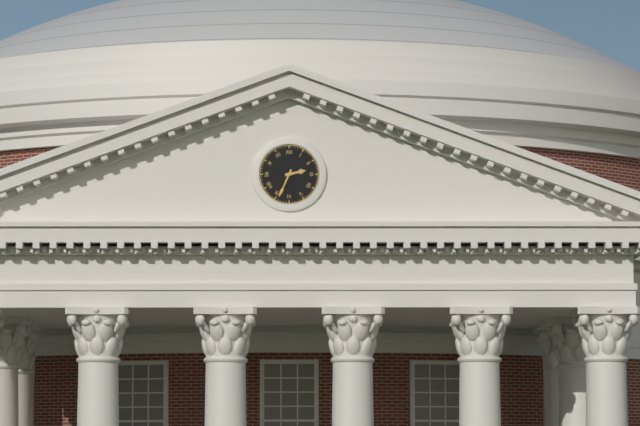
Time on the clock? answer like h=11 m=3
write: h=2 m=34
